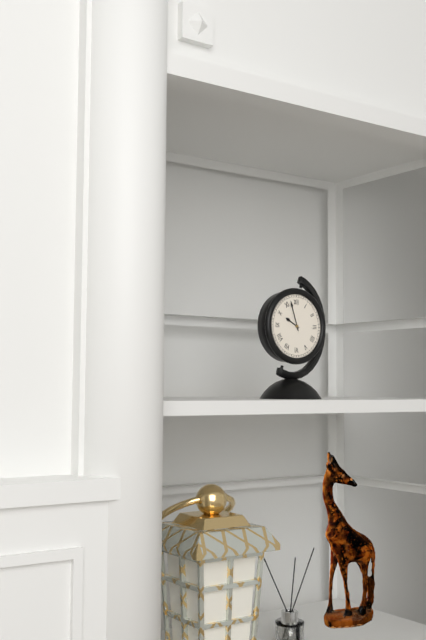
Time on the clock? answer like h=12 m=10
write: h=9 m=57
